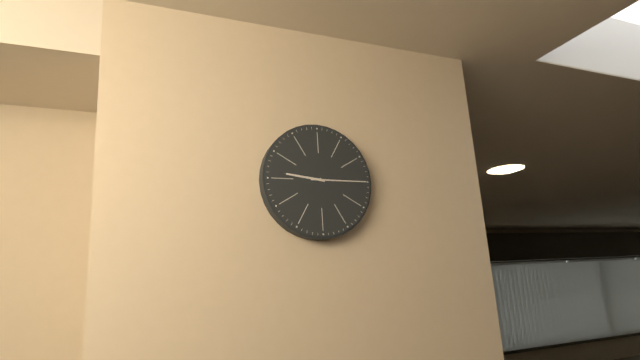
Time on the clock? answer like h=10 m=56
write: h=9 m=15
